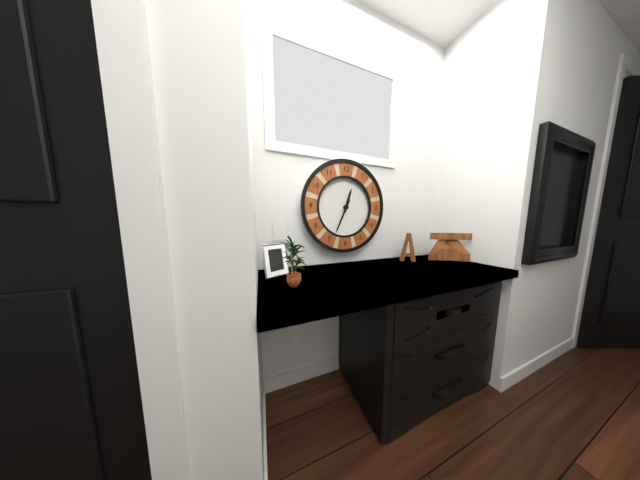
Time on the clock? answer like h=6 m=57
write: h=12 m=34
